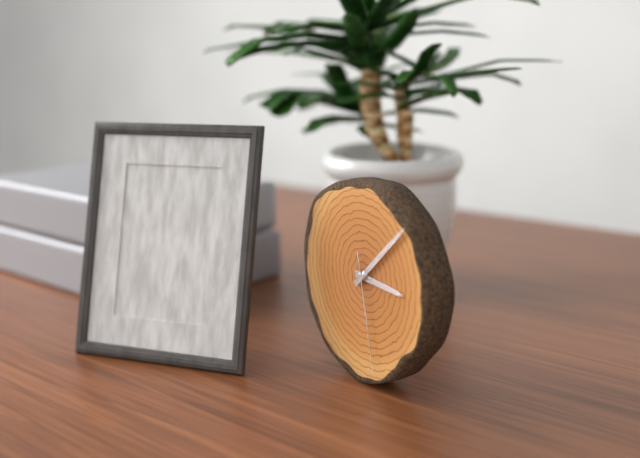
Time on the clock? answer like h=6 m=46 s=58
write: h=3 m=8 s=28
